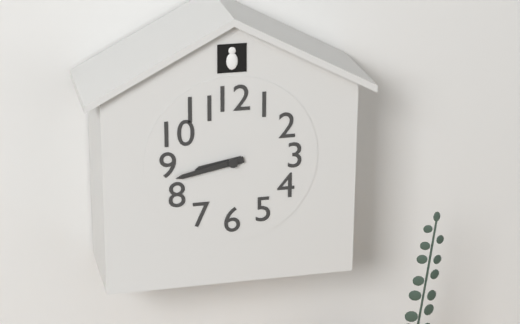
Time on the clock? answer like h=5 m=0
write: h=8 m=43
